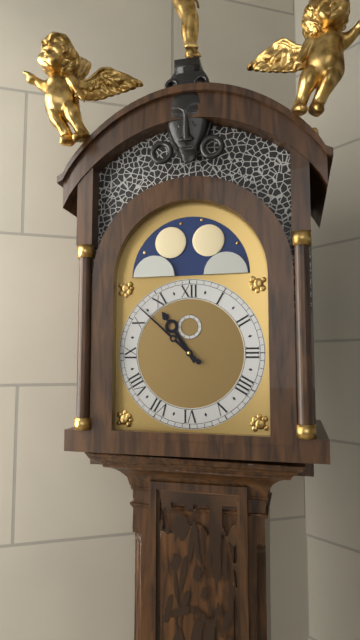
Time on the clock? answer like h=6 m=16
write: h=10 m=52
